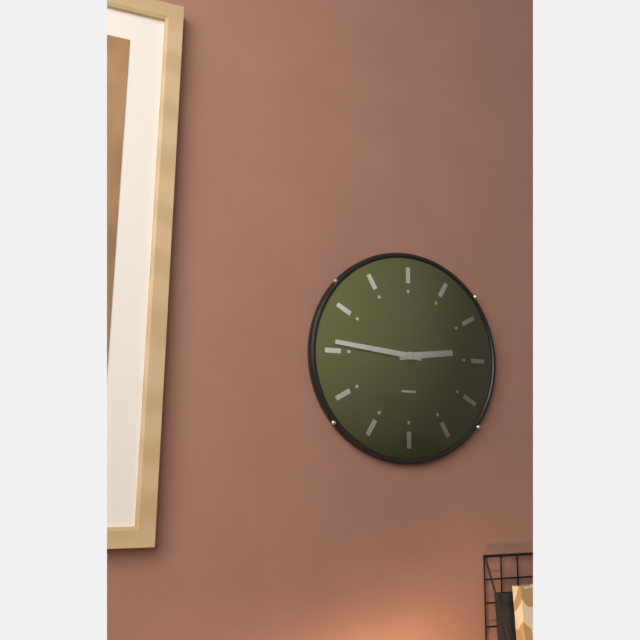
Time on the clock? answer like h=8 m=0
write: h=2 m=46
